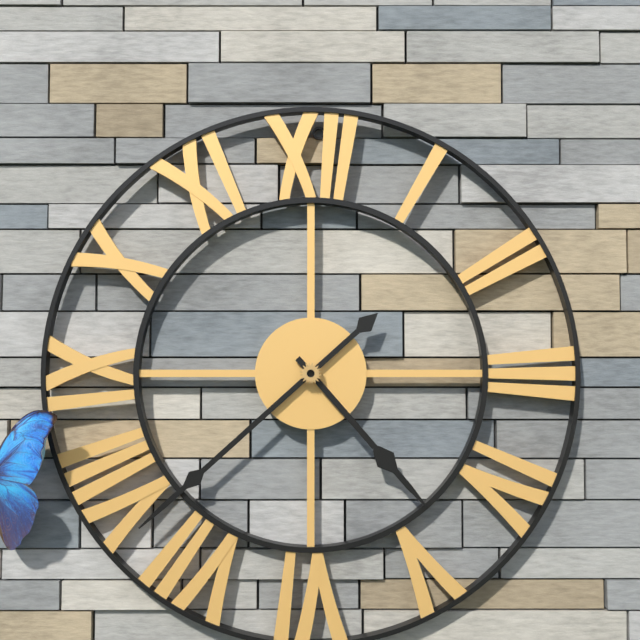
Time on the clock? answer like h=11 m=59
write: h=4 m=38
